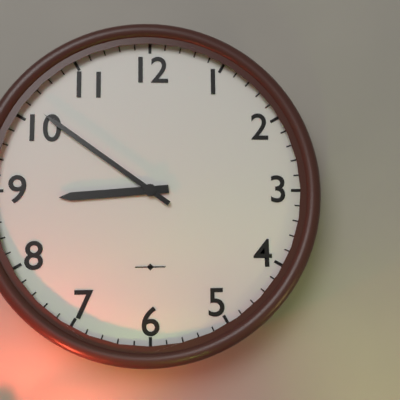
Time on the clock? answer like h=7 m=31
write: h=8 m=51
